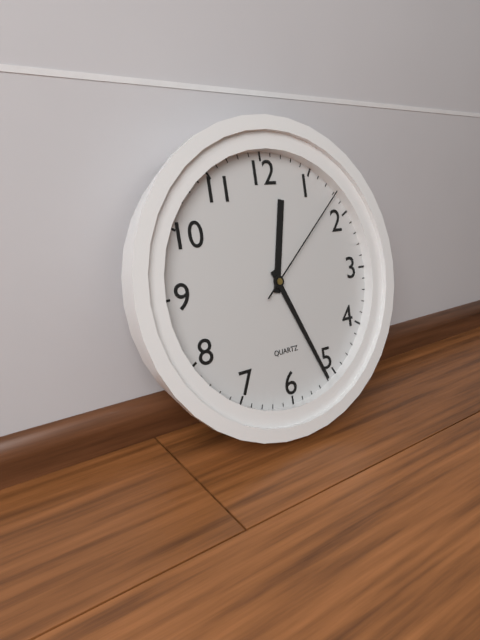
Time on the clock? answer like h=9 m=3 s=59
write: h=12 m=26 s=8
